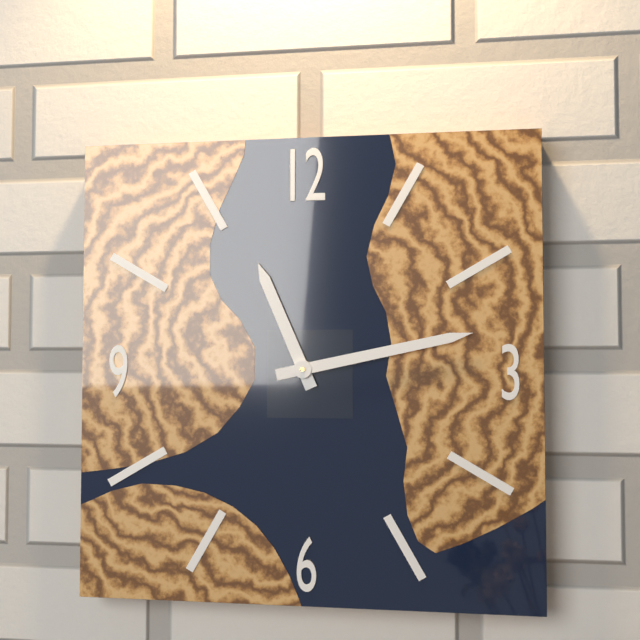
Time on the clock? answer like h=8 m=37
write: h=11 m=13
